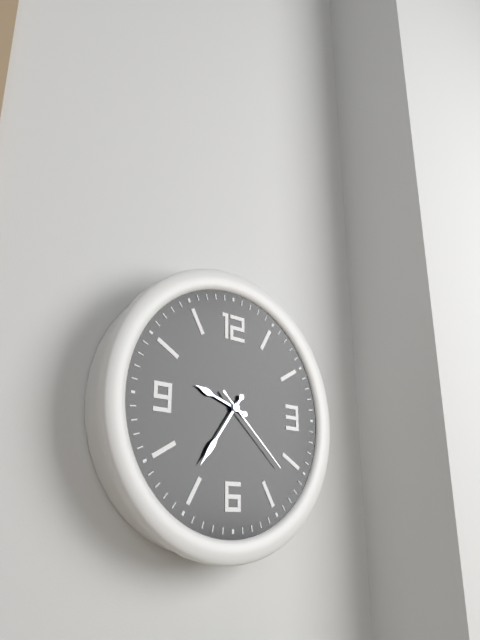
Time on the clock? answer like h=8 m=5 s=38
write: h=9 m=36 s=22
